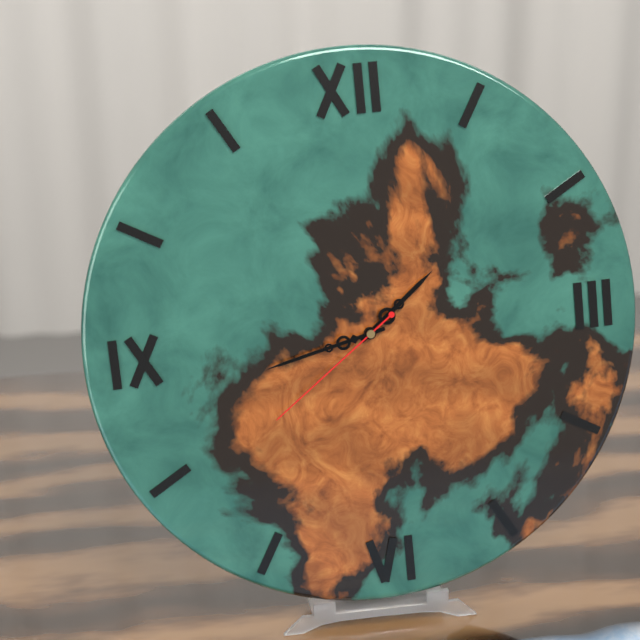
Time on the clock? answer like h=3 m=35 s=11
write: h=1 m=43 s=39
